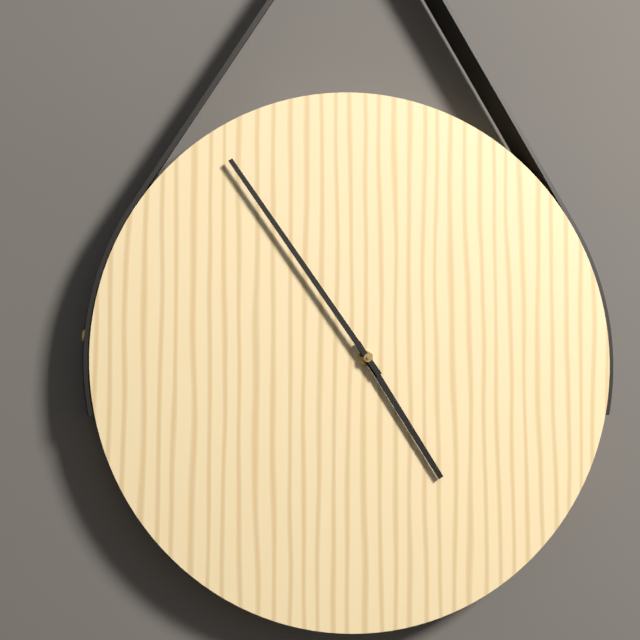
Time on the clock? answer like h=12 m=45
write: h=4 m=54
